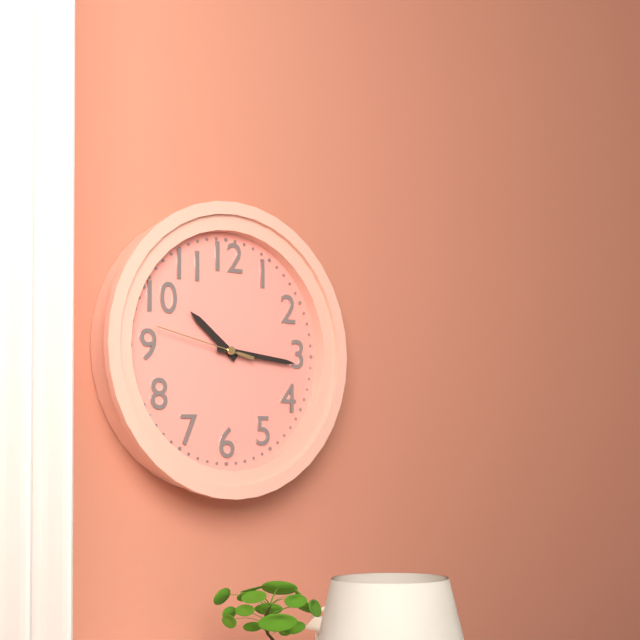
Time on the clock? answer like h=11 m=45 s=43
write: h=10 m=16 s=47
